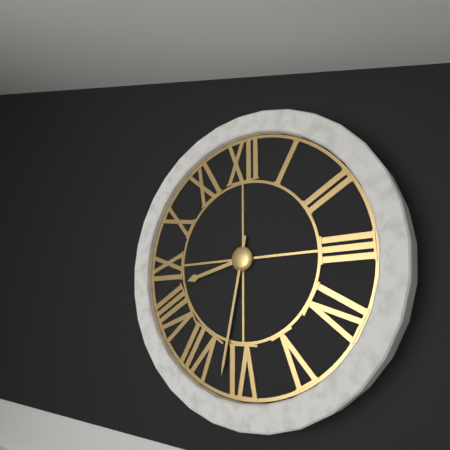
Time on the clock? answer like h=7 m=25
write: h=8 m=32
